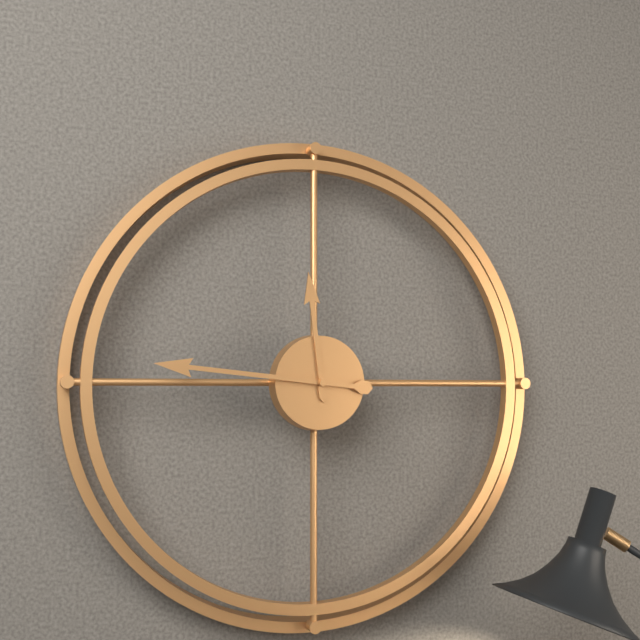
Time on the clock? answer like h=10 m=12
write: h=11 m=46
